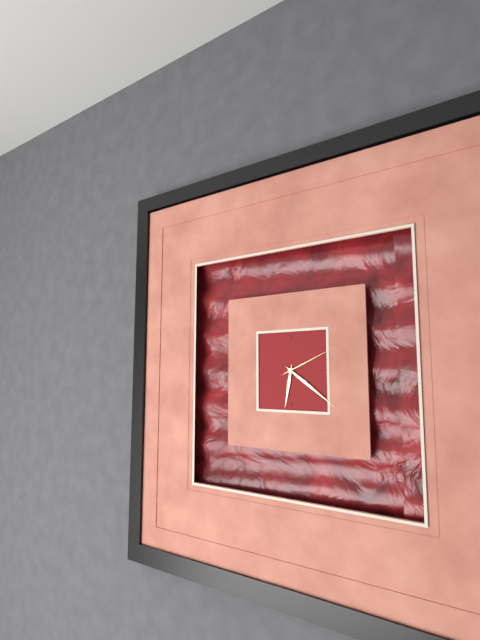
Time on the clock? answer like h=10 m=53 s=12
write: h=6 m=21 s=11
